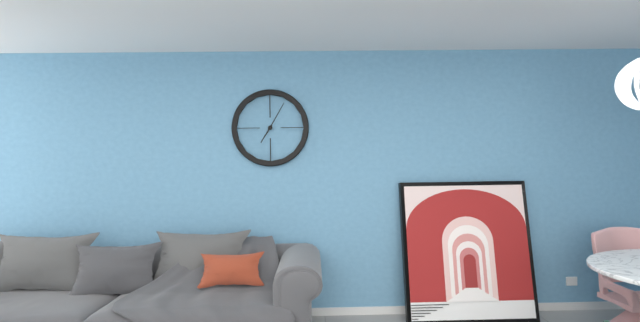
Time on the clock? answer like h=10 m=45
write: h=7 m=5
